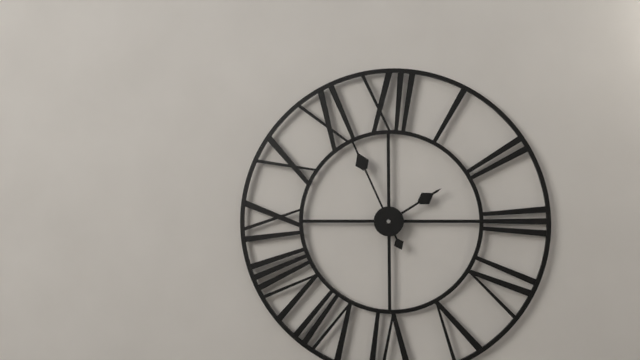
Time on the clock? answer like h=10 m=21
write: h=1 m=56
